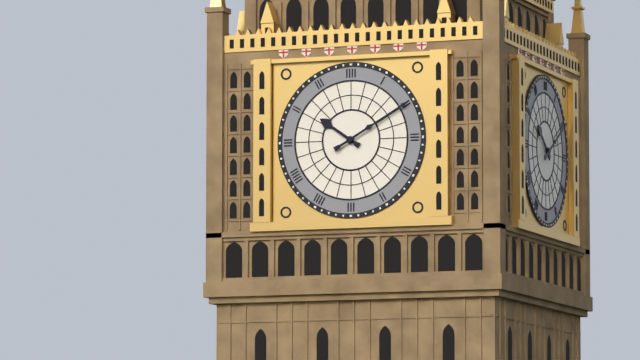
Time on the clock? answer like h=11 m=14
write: h=10 m=10
